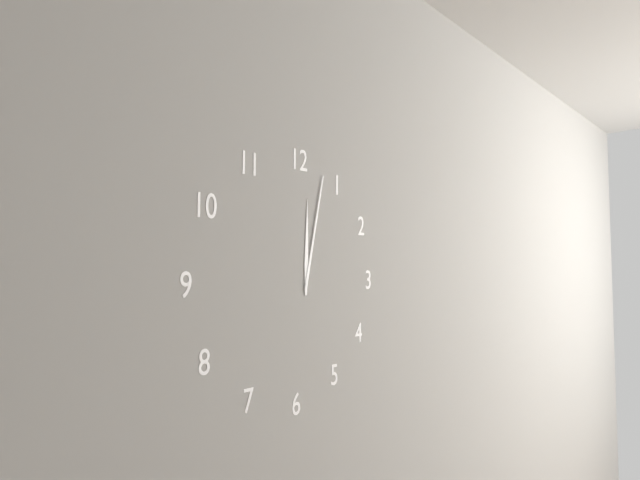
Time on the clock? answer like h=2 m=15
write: h=12 m=2
